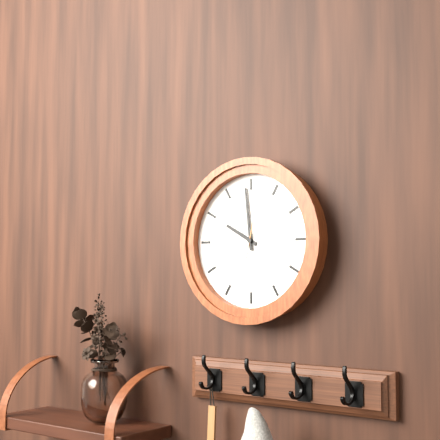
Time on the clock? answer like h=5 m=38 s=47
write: h=9 m=59 s=2
